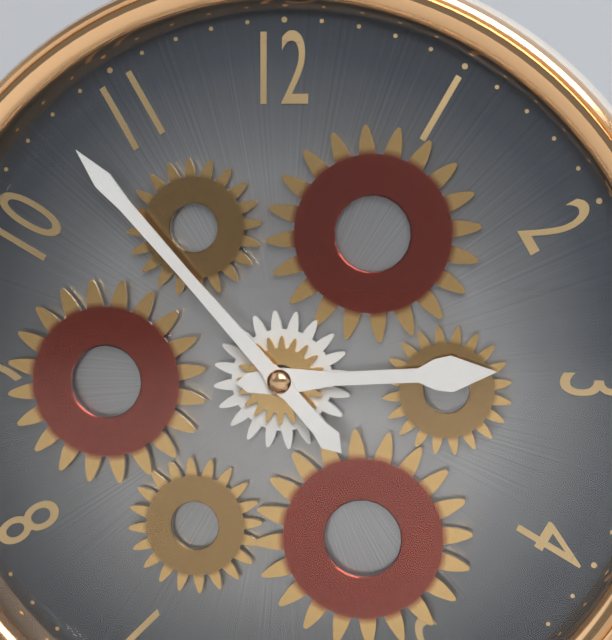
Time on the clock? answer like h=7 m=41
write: h=2 m=53
